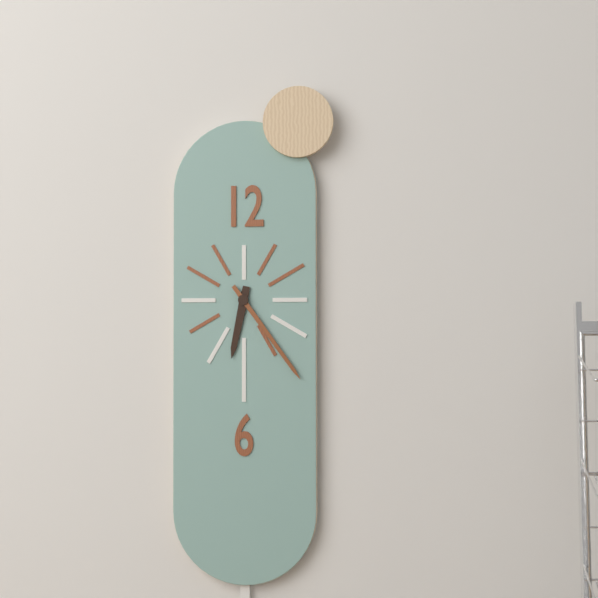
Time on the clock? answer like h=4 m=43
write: h=6 m=24
